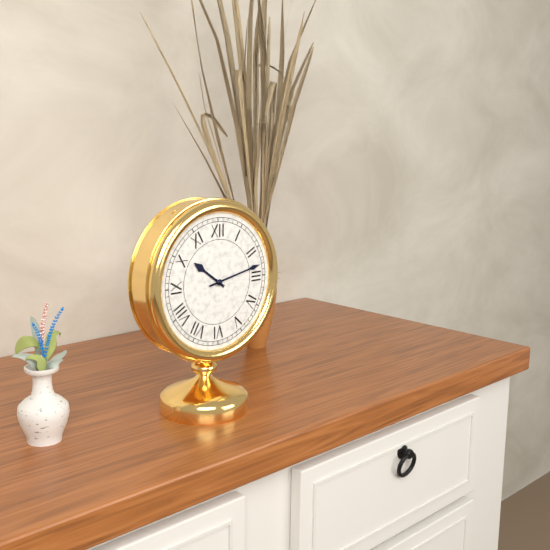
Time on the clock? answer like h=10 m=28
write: h=10 m=13
